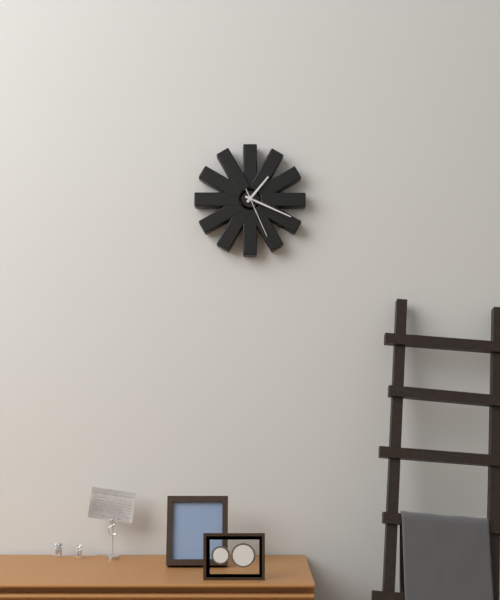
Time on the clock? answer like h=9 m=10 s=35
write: h=1 m=19 s=26
